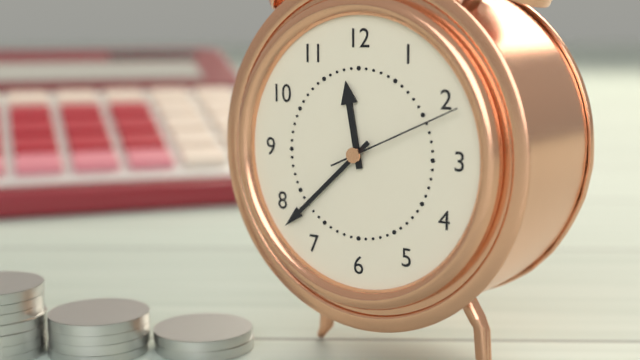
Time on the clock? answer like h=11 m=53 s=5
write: h=11 m=38 s=11
